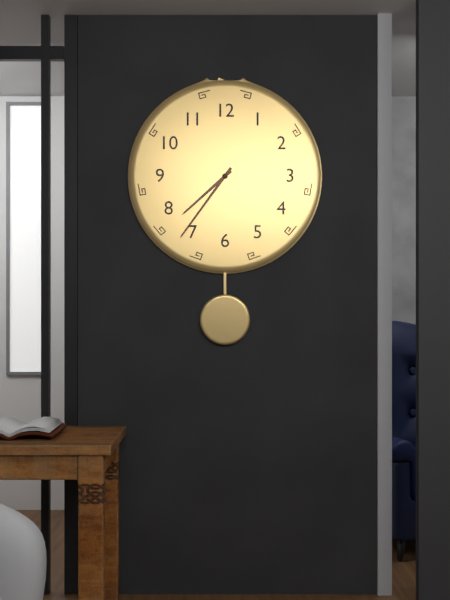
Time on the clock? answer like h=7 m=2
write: h=7 m=36
